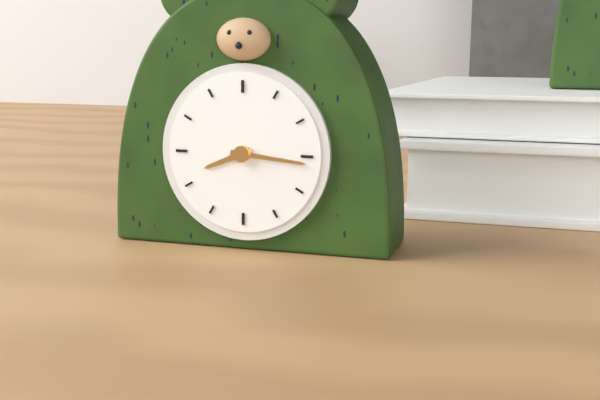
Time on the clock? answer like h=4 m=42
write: h=8 m=16
